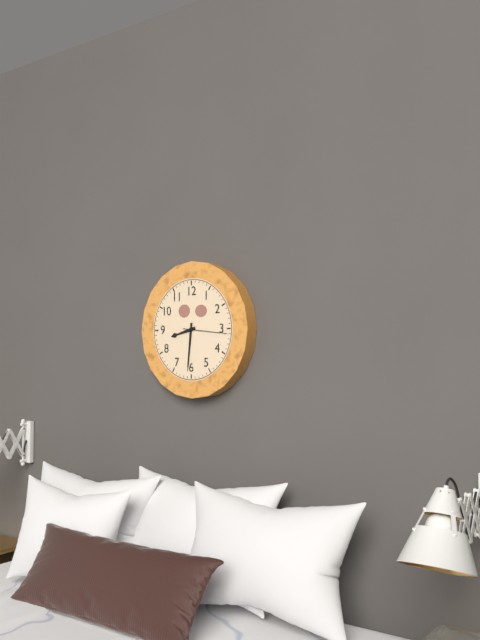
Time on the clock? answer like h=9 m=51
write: h=8 m=31
